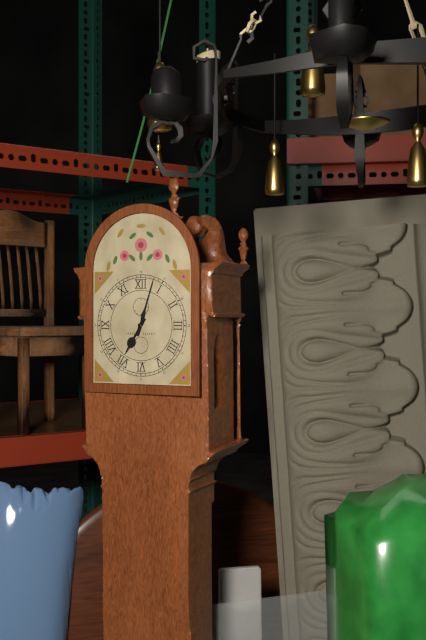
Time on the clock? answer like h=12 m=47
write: h=7 m=3
